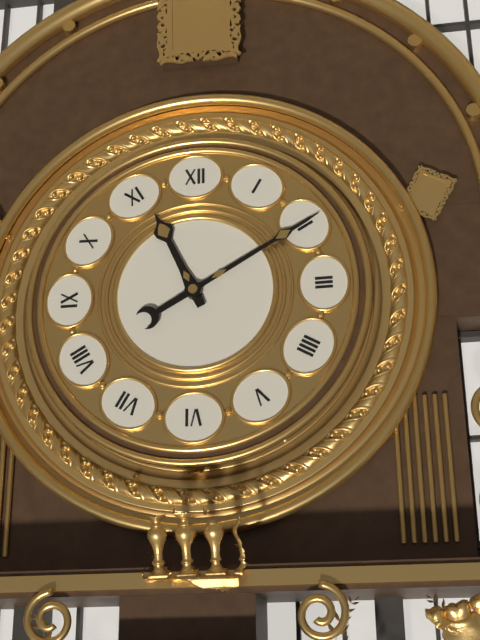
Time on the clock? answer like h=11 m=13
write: h=11 m=10
